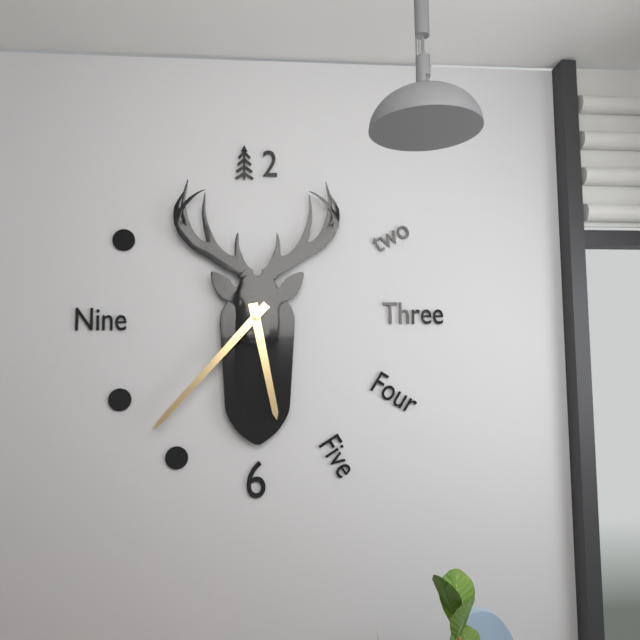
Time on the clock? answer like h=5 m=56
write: h=5 m=37
